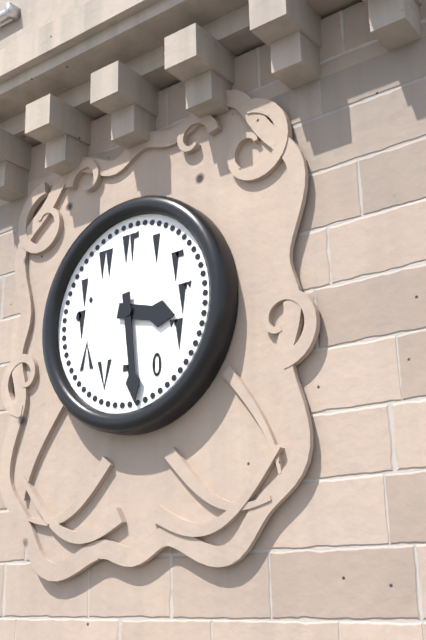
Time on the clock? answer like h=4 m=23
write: h=3 m=29
